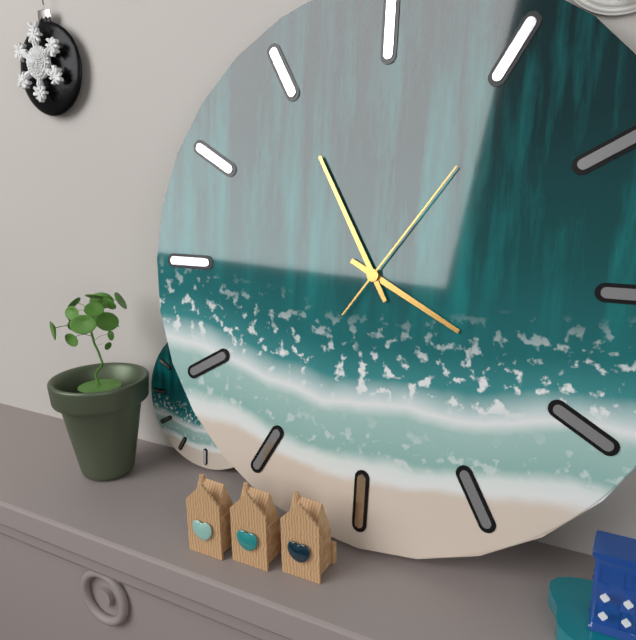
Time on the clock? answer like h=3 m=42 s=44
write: h=3 m=55 s=6
